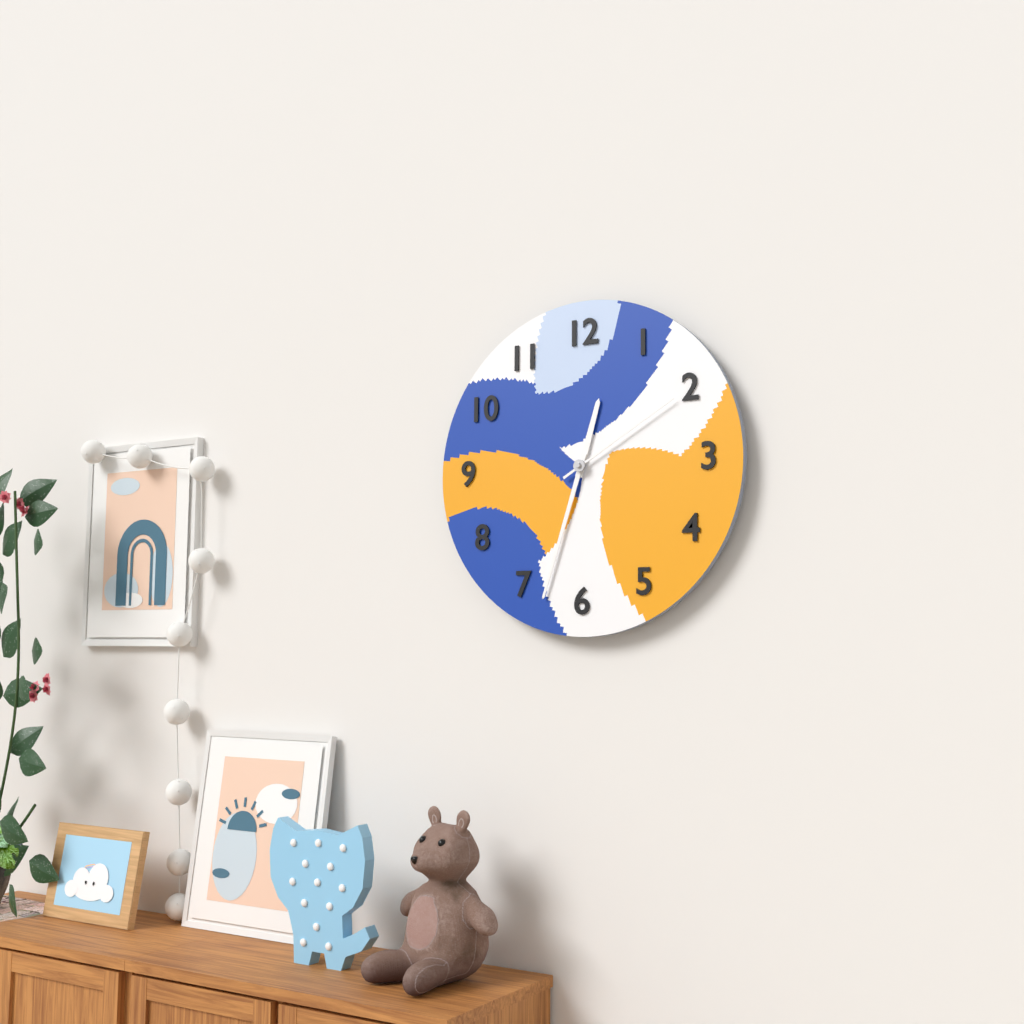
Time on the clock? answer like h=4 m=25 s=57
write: h=12 m=33 s=10
